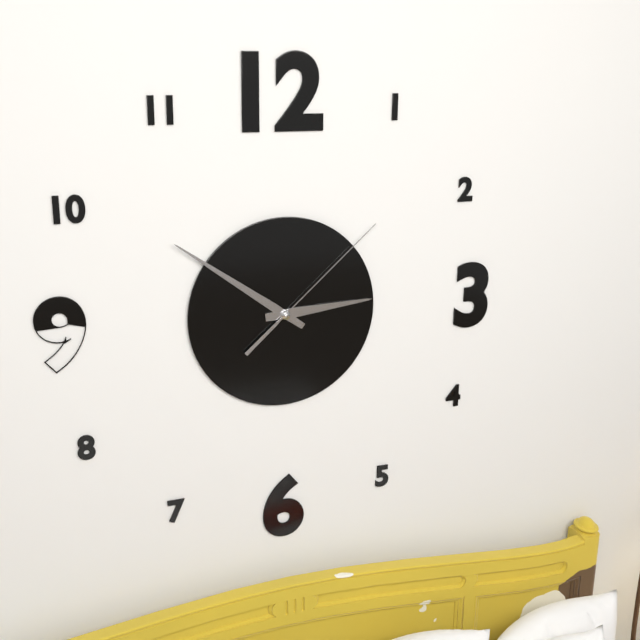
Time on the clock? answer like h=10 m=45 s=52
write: h=2 m=51 s=8
